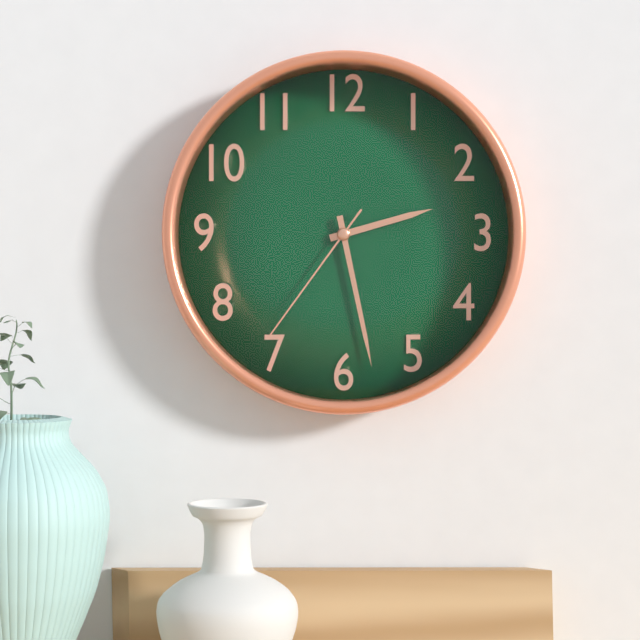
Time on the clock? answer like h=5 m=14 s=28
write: h=2 m=28 s=36
